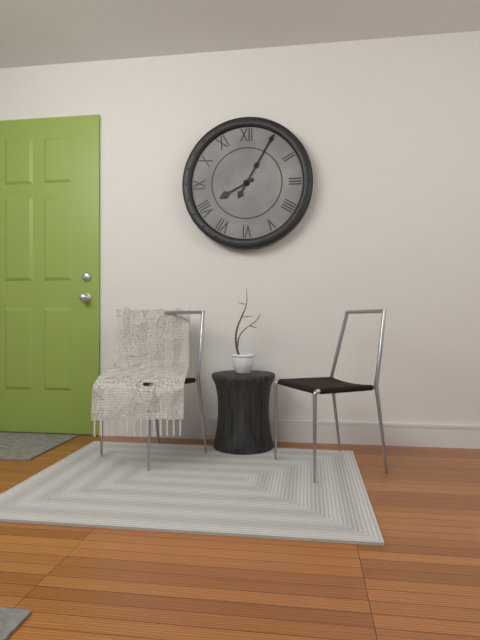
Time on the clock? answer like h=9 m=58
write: h=8 m=5
